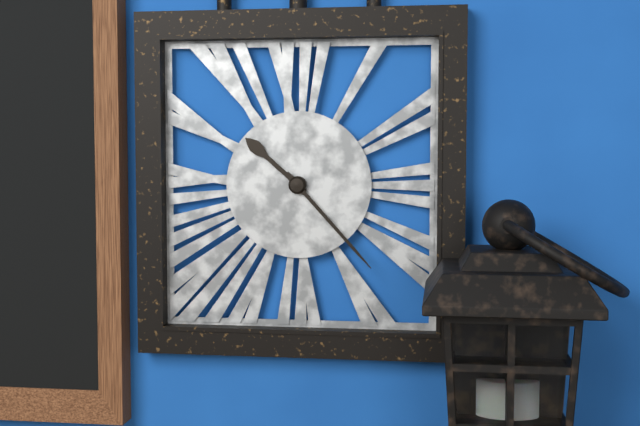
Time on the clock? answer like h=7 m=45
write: h=10 m=23
